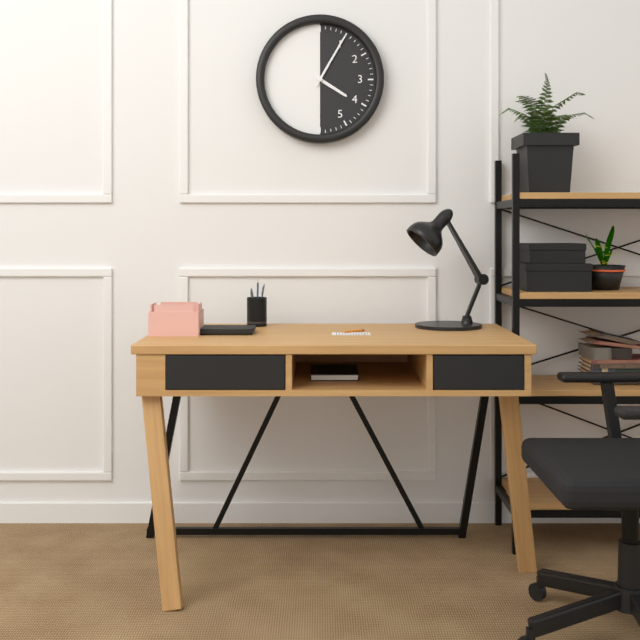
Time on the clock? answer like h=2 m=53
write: h=4 m=5
